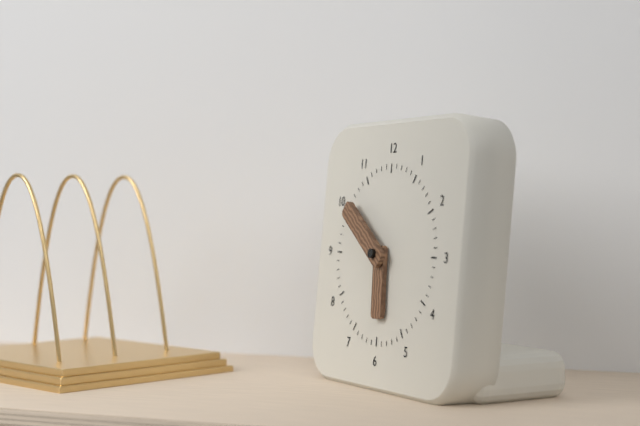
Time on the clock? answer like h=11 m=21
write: h=5 m=51
